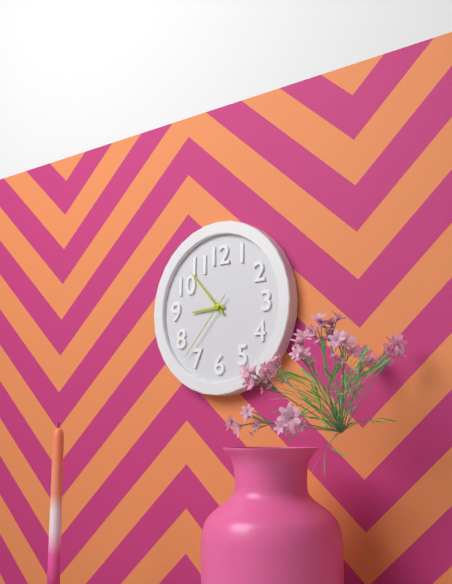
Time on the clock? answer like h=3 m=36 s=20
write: h=8 m=53 s=37
